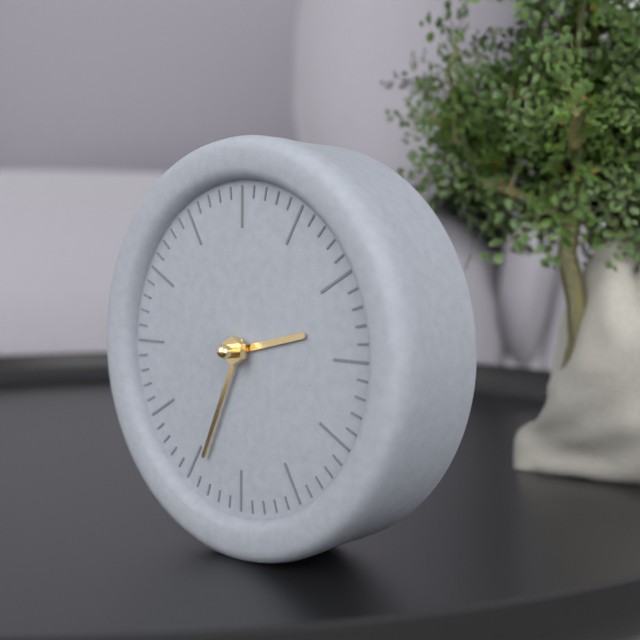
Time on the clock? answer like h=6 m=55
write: h=2 m=34
